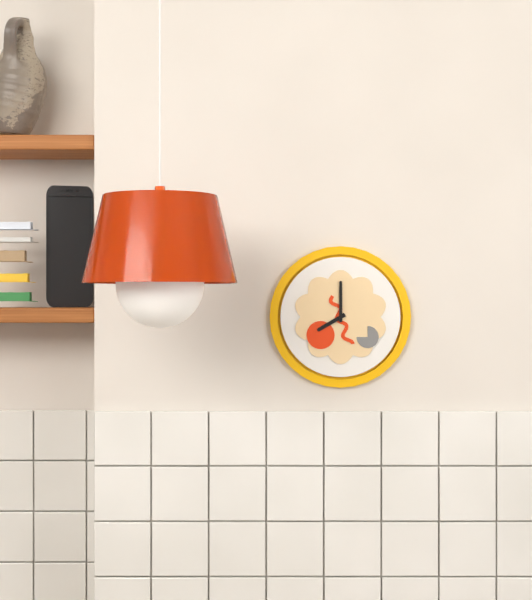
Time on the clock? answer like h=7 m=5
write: h=8 m=0
